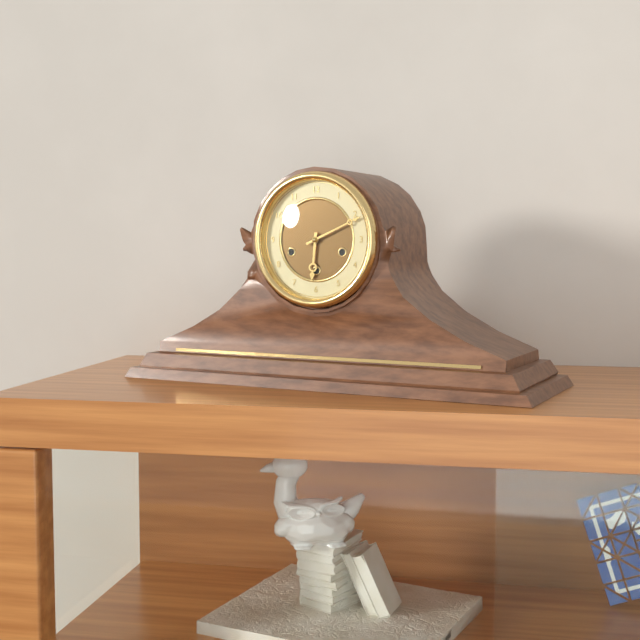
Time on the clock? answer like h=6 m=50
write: h=6 m=11
